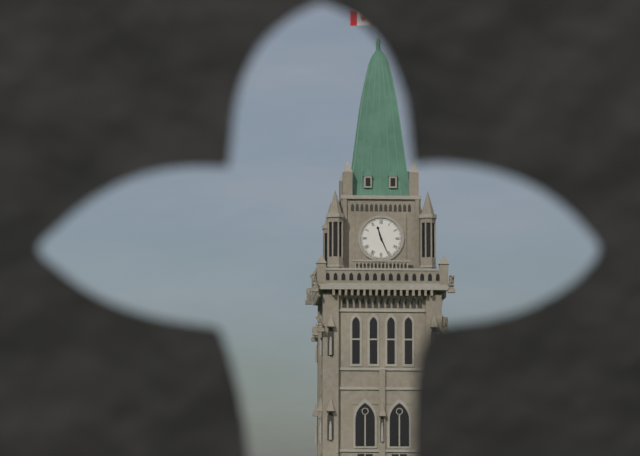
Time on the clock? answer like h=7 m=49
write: h=11 m=26
